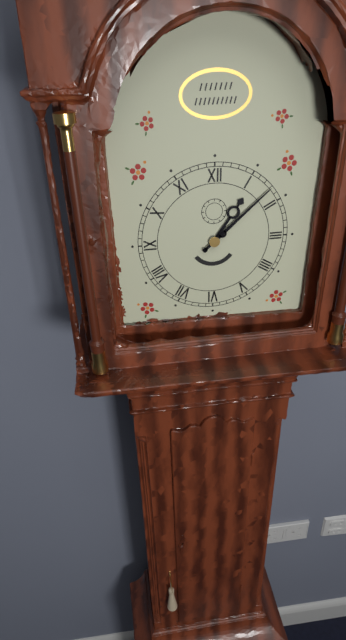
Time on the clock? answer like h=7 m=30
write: h=1 m=8
